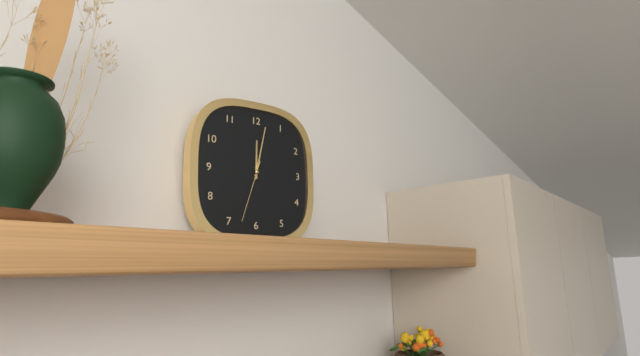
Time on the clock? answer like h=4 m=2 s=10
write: h=12 m=2 s=33
